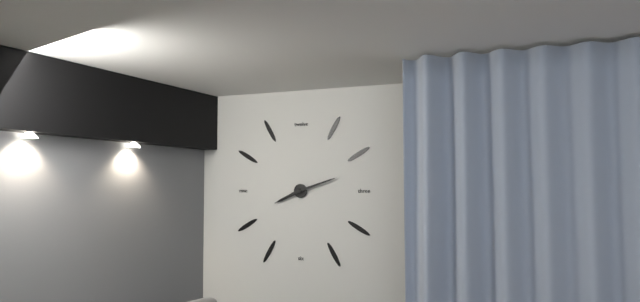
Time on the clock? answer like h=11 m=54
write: h=8 m=12
